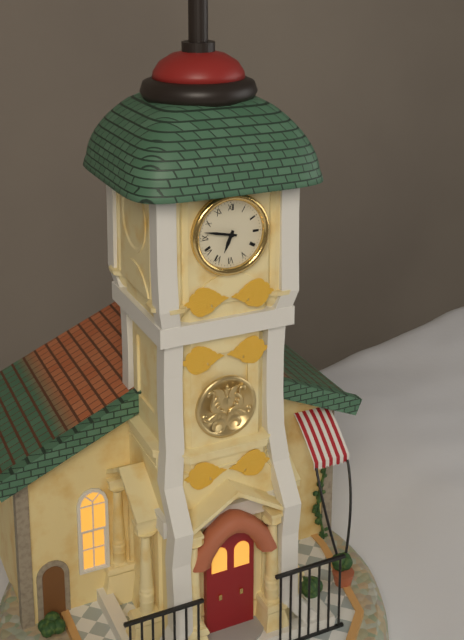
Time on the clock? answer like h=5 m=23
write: h=6 m=47
